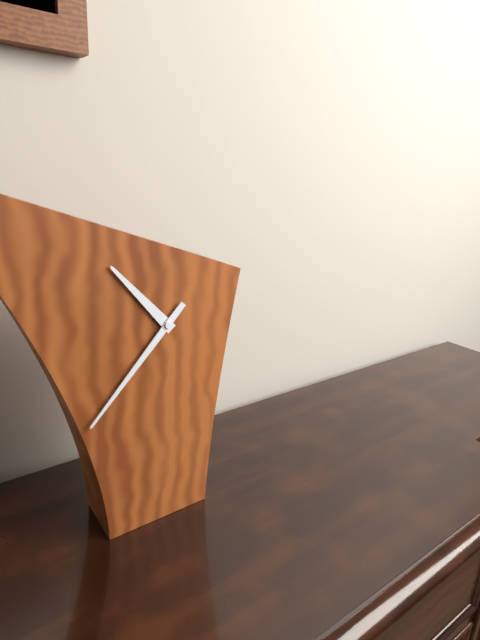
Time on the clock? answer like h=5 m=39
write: h=10 m=37
